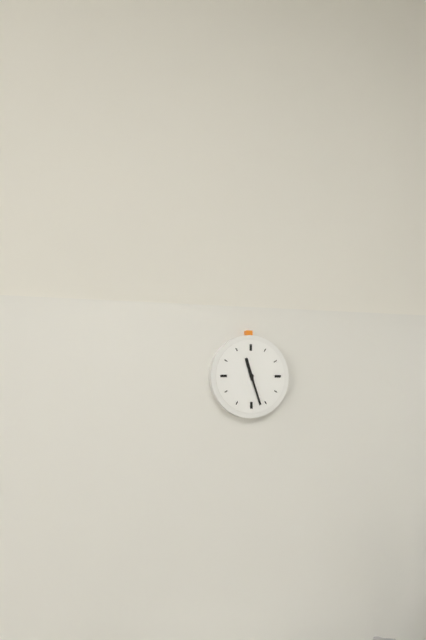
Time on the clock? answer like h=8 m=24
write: h=11 m=27
